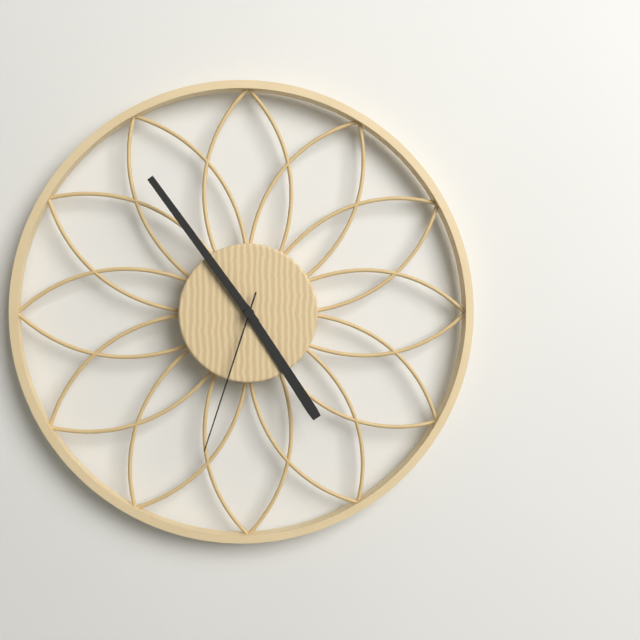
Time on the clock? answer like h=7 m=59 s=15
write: h=4 m=54 s=33
